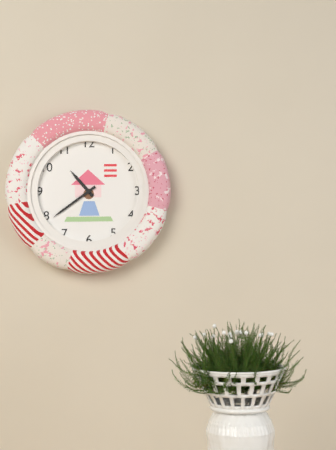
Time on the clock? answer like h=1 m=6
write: h=10 m=39
